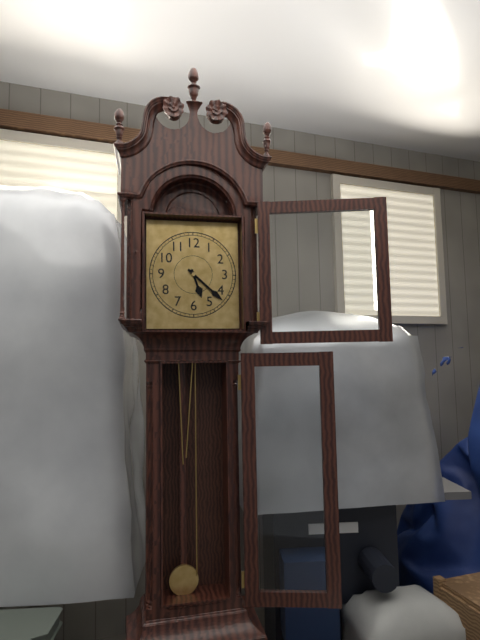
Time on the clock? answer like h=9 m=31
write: h=5 m=22
